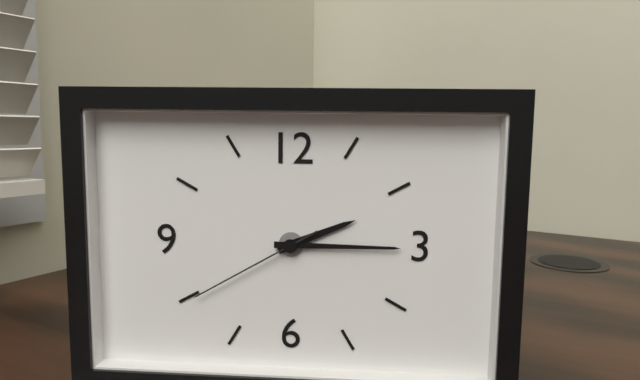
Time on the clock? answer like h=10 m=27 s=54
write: h=2 m=15 s=40
